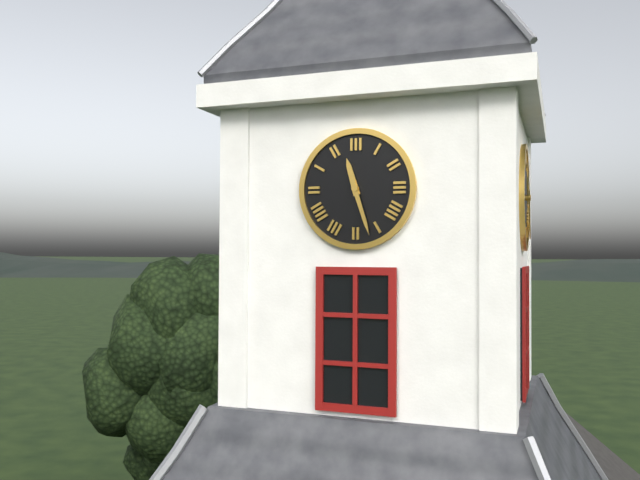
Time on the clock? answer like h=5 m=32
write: h=11 m=27
